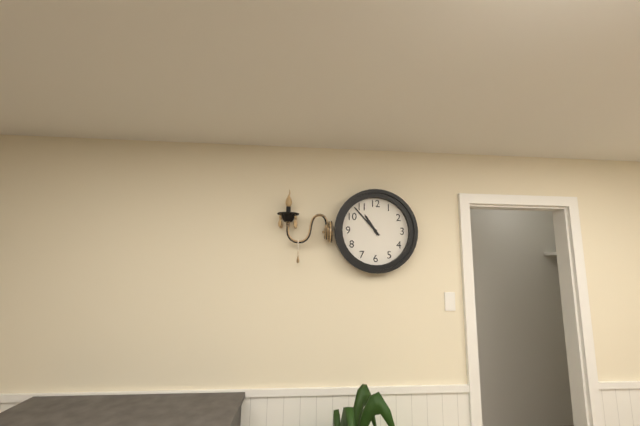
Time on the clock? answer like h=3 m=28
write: h=10 m=53
